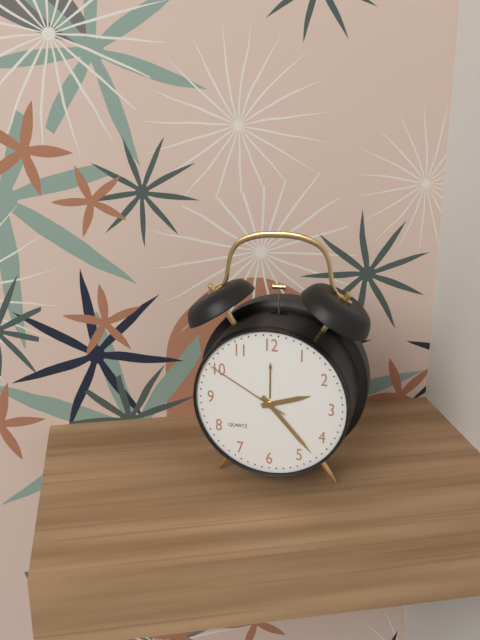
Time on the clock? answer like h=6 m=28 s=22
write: h=2 m=23 s=50
